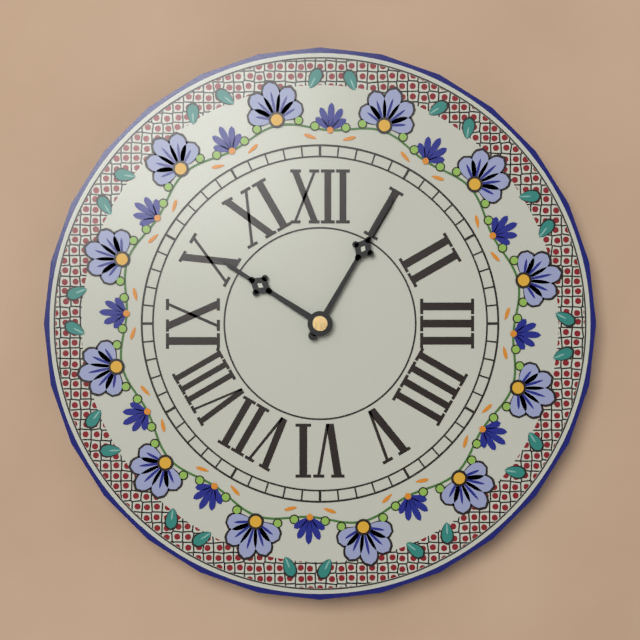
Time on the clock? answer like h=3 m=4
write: h=10 m=5
